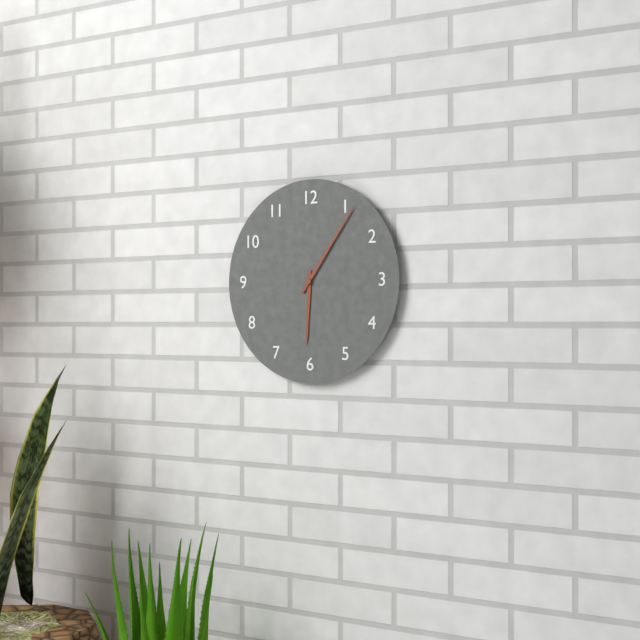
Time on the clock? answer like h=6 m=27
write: h=6 m=6
